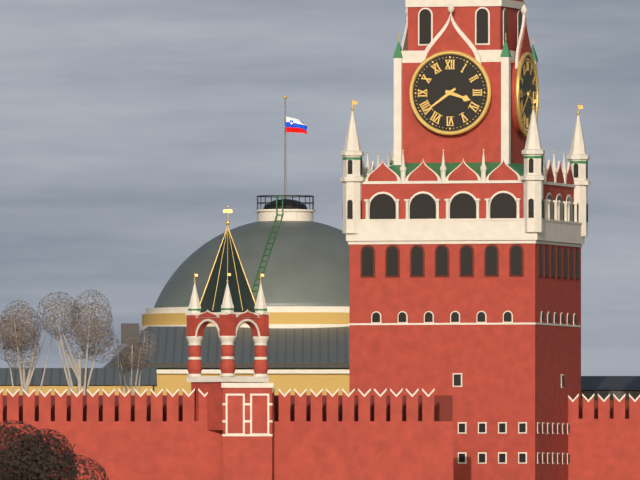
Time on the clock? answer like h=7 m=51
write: h=3 m=39
